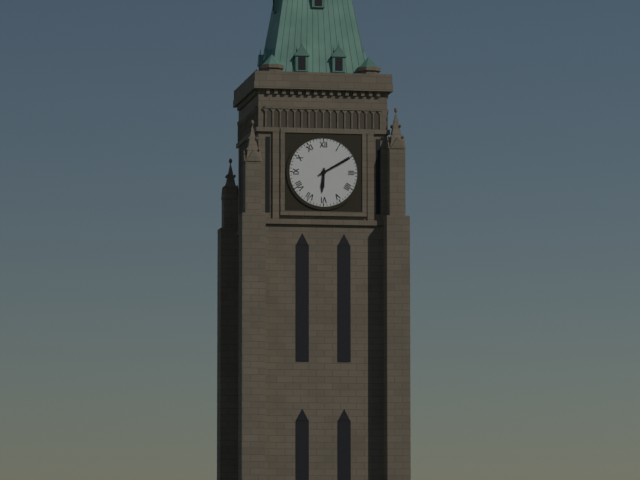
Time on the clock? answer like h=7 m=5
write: h=6 m=10
